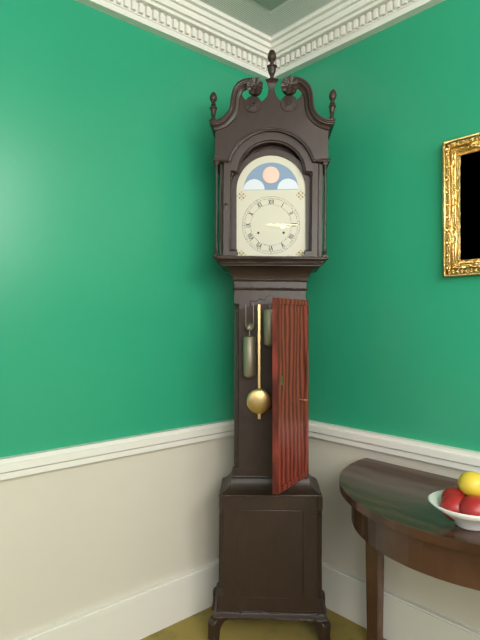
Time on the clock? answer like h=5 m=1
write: h=3 m=15
